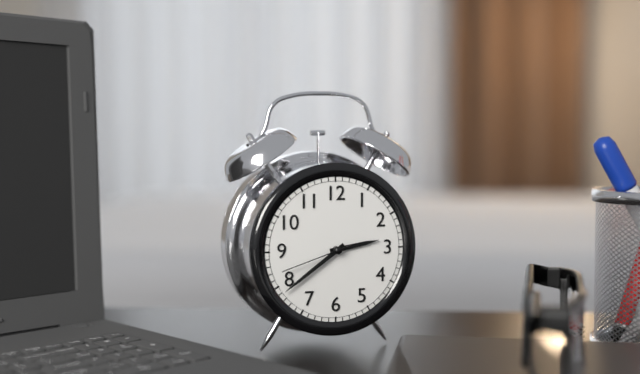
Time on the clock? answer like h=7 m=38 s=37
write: h=2 m=39 s=42
